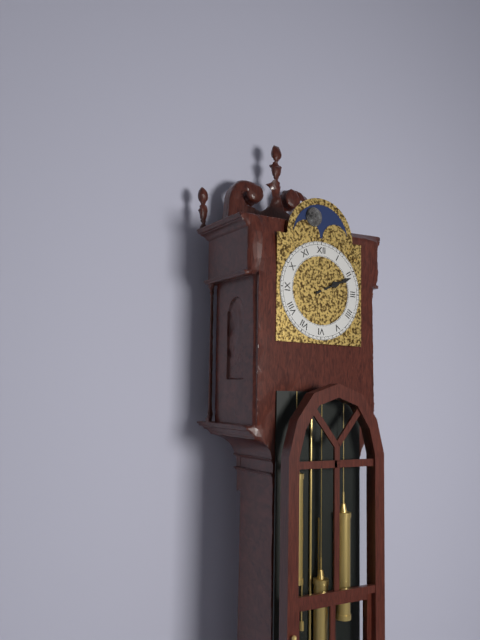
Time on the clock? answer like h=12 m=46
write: h=2 m=11
